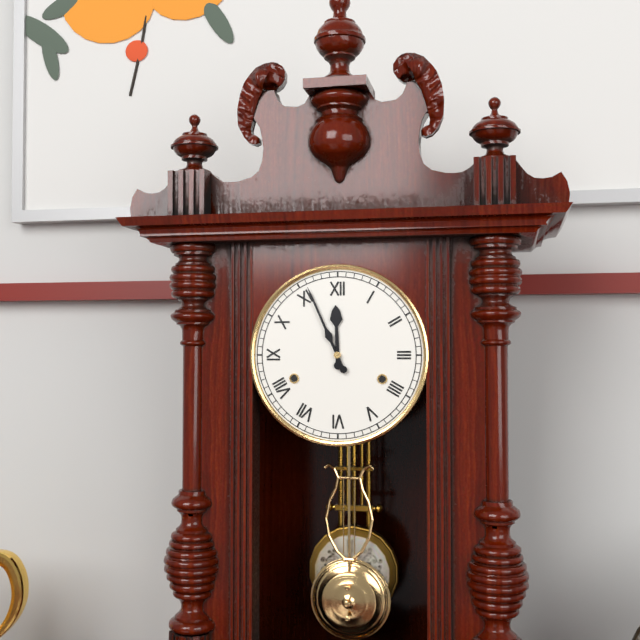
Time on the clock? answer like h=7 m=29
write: h=11 m=56
